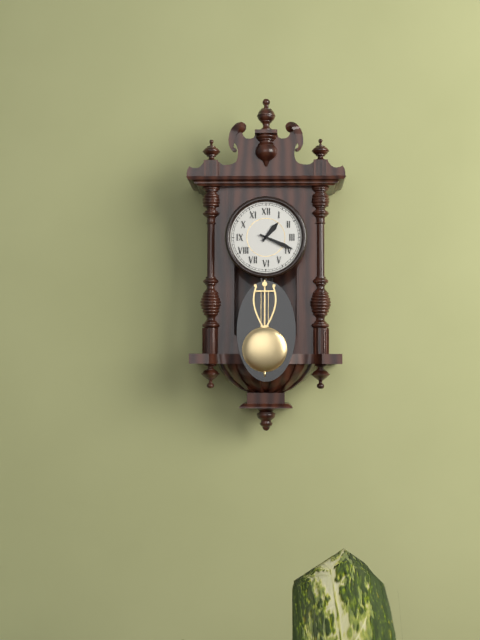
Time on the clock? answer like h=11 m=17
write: h=1 m=19
